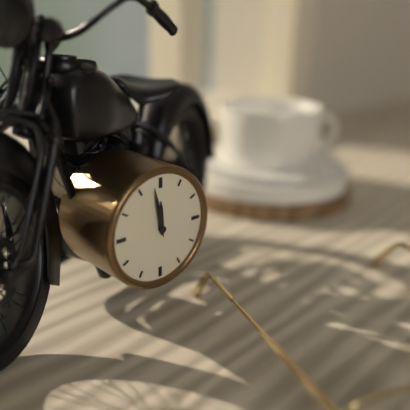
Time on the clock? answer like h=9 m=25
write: h=11 m=58
